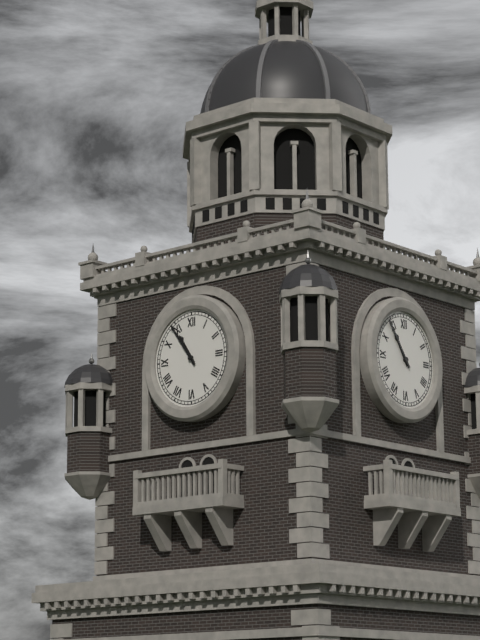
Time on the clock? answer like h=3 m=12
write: h=10 m=54
